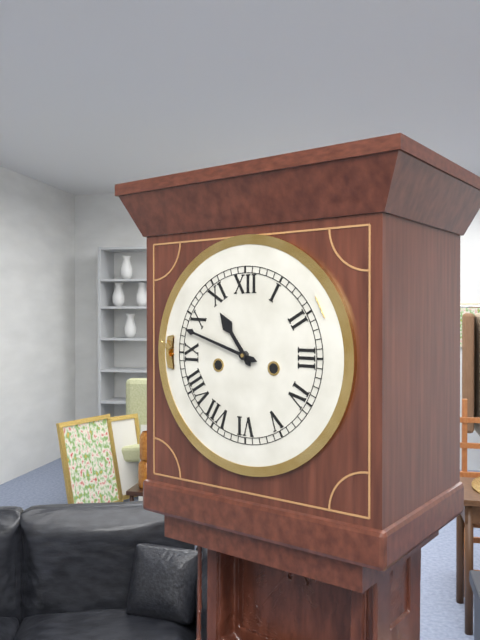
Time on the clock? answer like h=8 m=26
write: h=10 m=48
